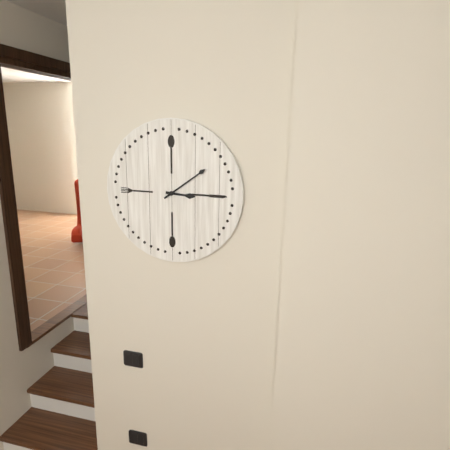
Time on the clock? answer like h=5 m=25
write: h=3 m=9
